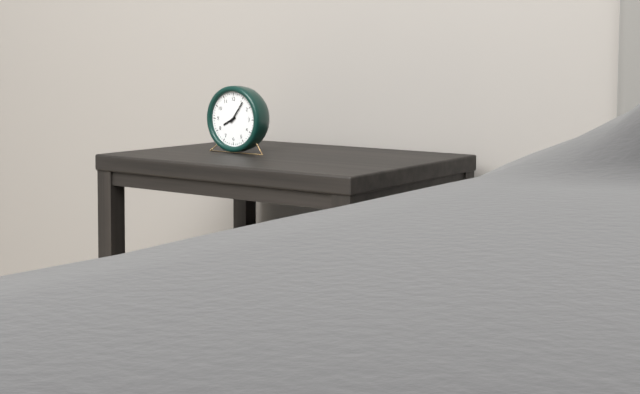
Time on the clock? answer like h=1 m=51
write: h=8 m=6
